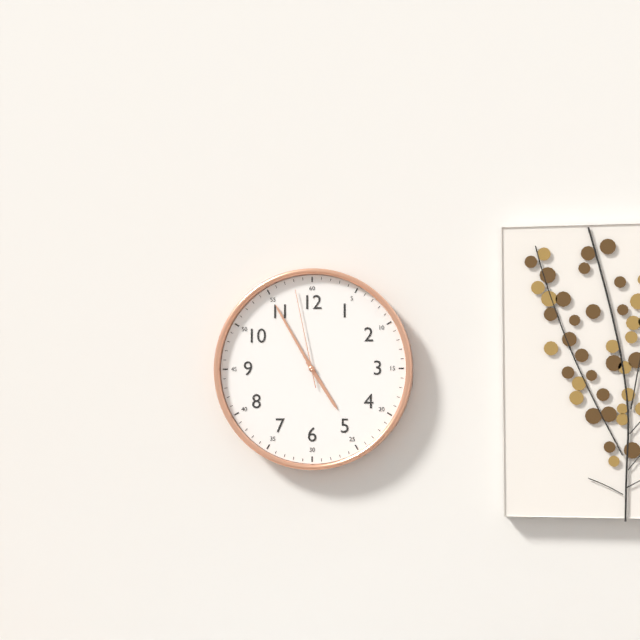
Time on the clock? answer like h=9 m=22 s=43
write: h=4 m=55 s=58
